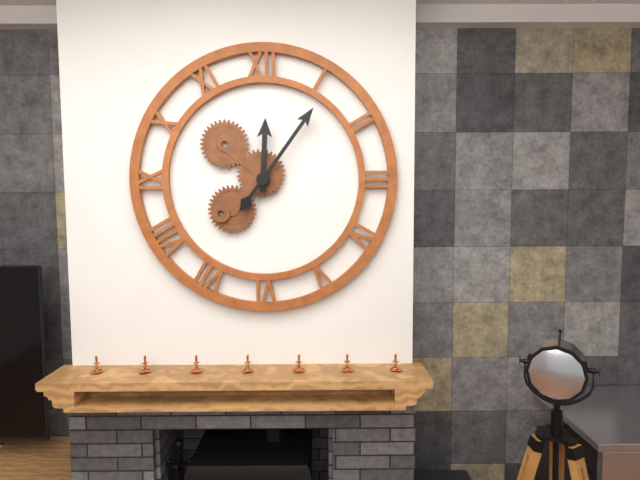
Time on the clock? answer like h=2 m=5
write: h=12 m=6
